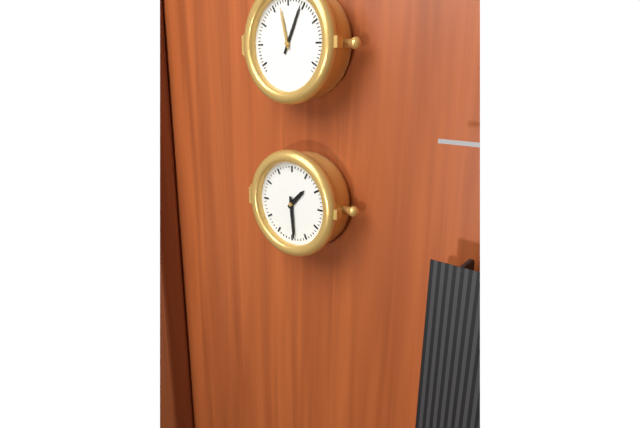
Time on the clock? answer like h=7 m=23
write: h=1 m=29
